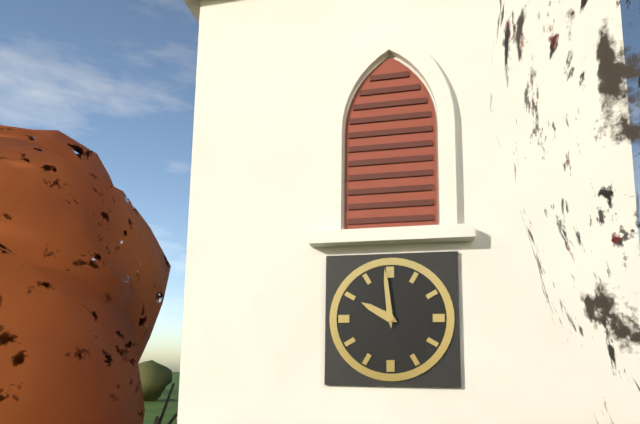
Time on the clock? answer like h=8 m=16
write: h=9 m=59
